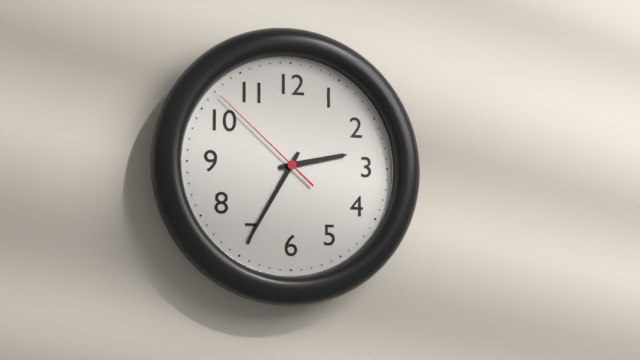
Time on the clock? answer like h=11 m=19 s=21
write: h=2 m=35 s=52
